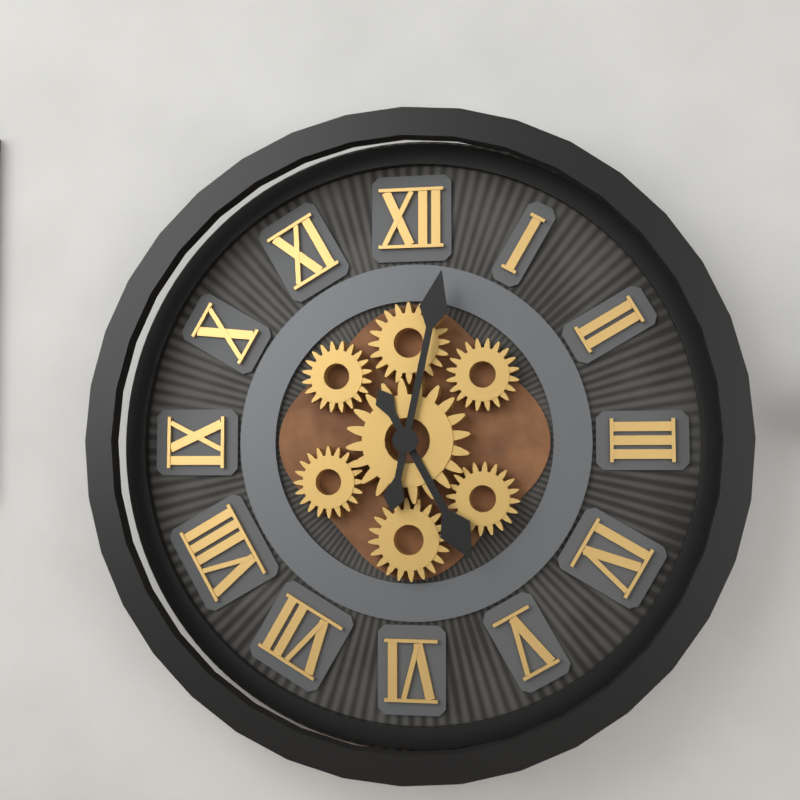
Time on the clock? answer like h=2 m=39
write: h=5 m=2
